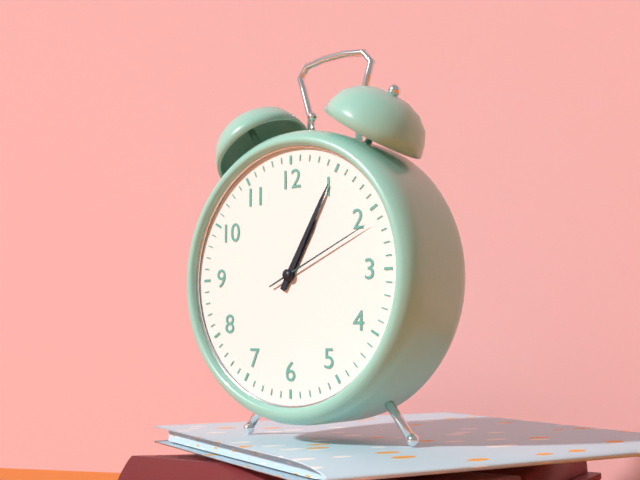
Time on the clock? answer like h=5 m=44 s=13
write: h=1 m=5 s=11
